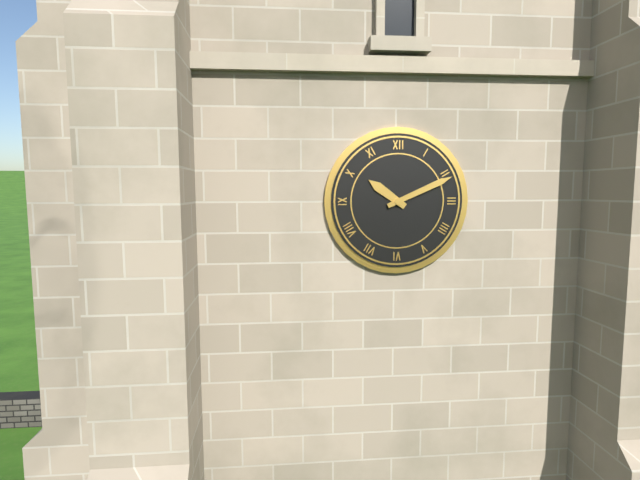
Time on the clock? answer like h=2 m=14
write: h=10 m=11
